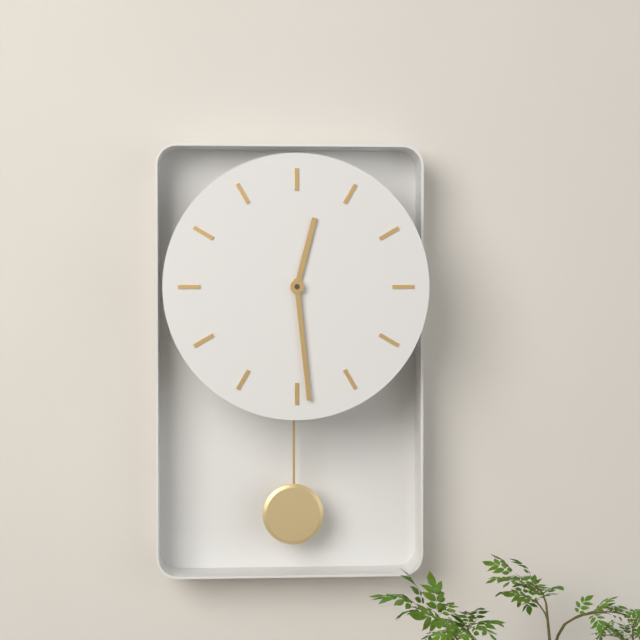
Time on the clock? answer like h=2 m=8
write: h=12 m=29
